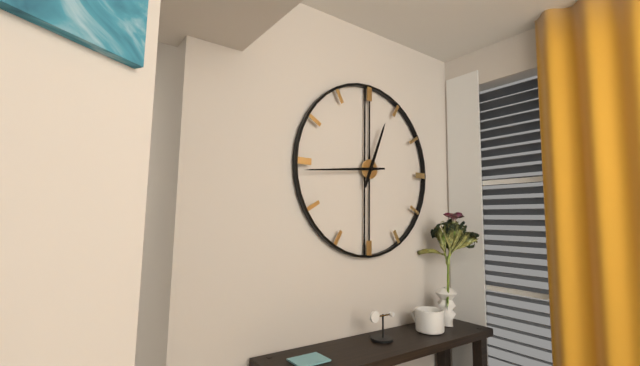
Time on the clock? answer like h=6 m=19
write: h=12 m=44
